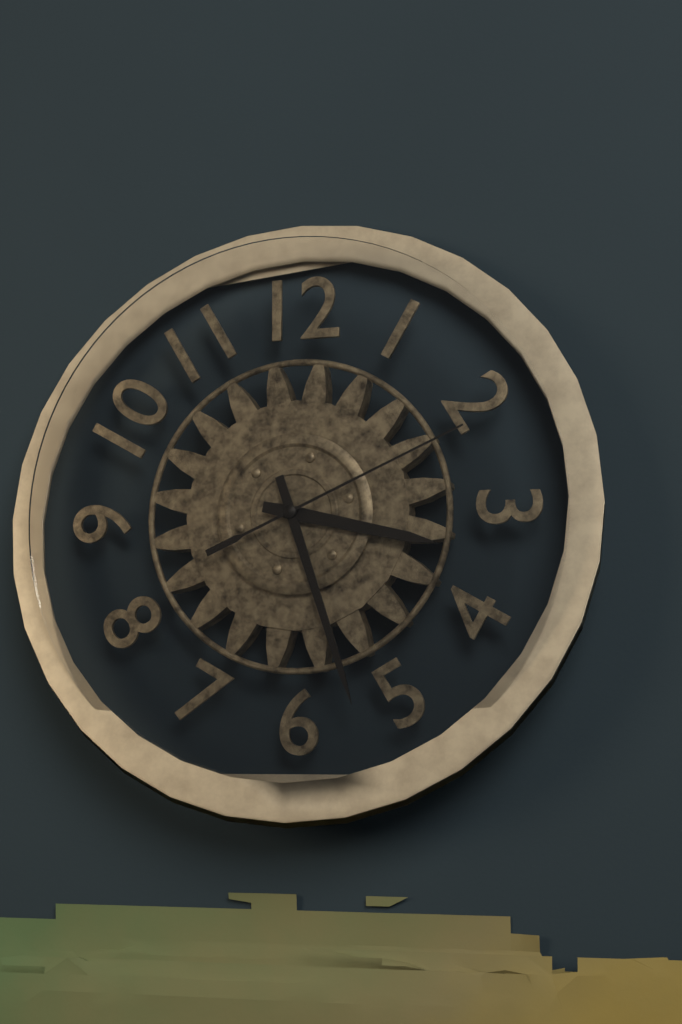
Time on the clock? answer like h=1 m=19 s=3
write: h=3 m=27 s=11
